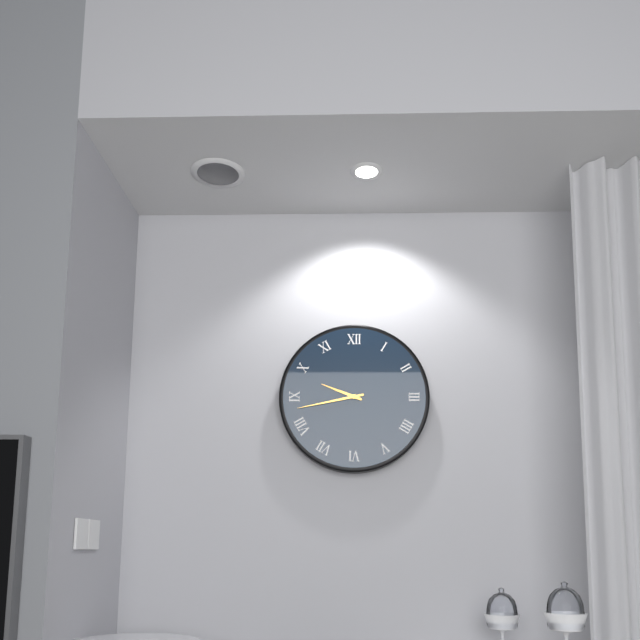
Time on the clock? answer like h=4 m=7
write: h=9 m=43
